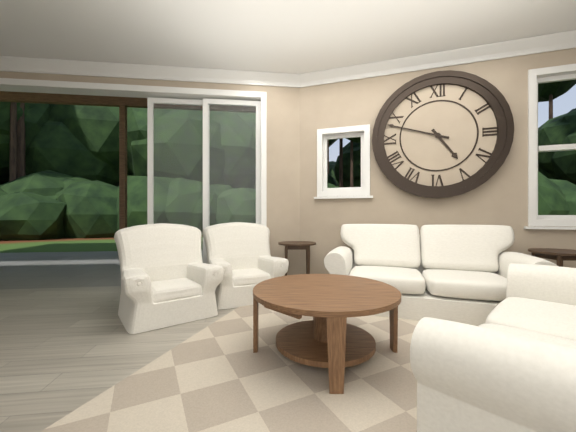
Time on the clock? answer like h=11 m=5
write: h=4 m=48
